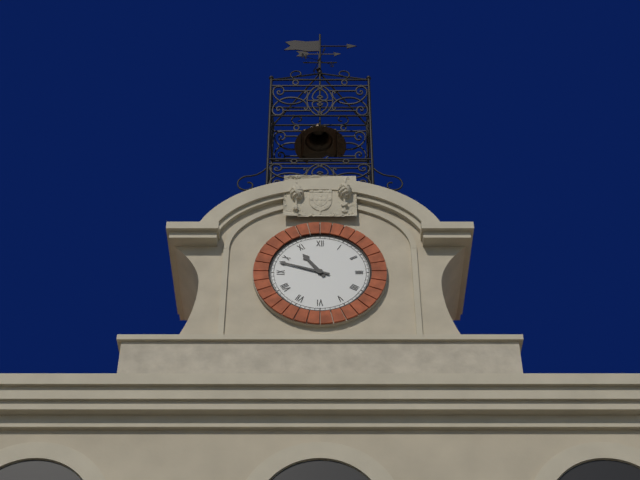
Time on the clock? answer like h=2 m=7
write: h=10 m=48
